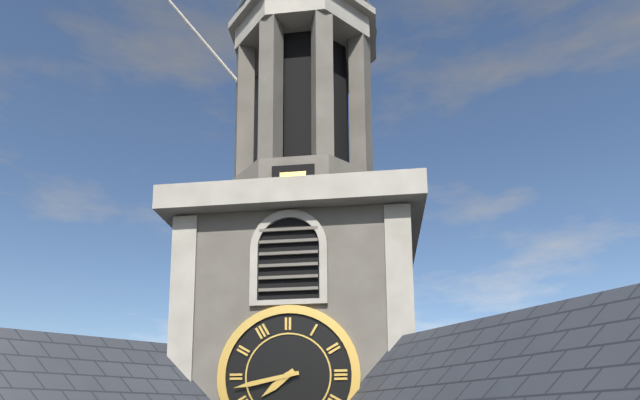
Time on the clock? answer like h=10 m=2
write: h=7 m=43
